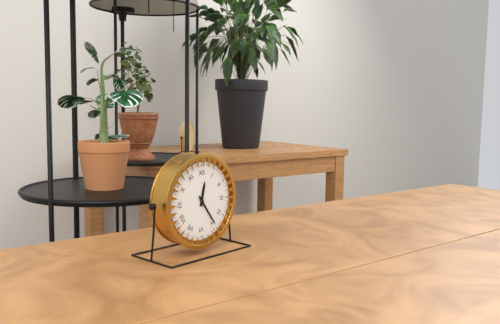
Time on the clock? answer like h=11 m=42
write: h=12 m=24
